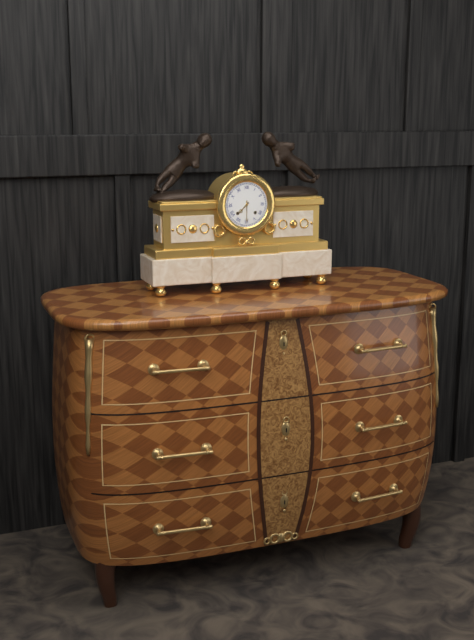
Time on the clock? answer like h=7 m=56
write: h=7 m=30
